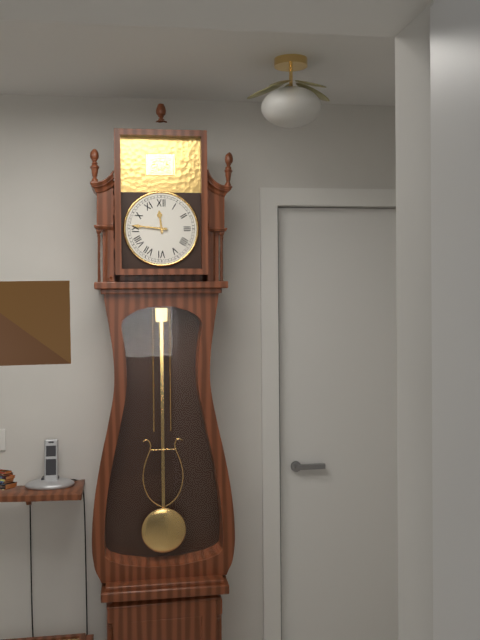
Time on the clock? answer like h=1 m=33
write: h=11 m=46
